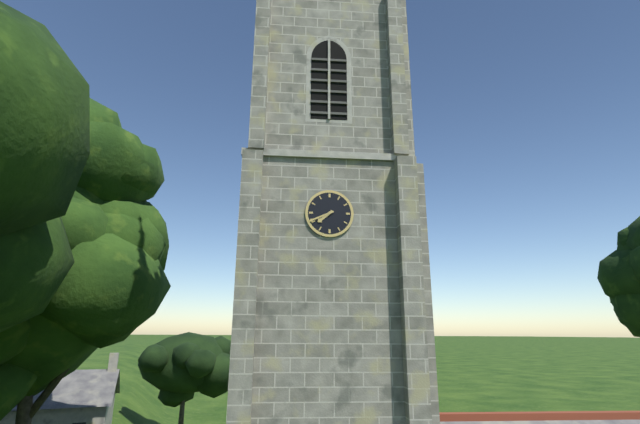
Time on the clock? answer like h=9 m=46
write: h=7 m=41
